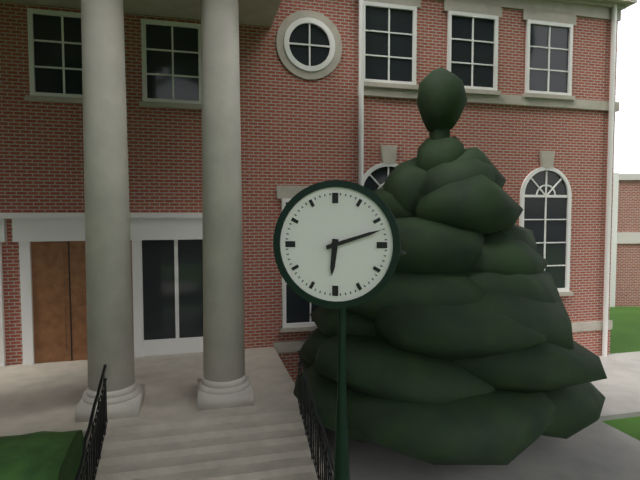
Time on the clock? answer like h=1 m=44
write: h=6 m=12
